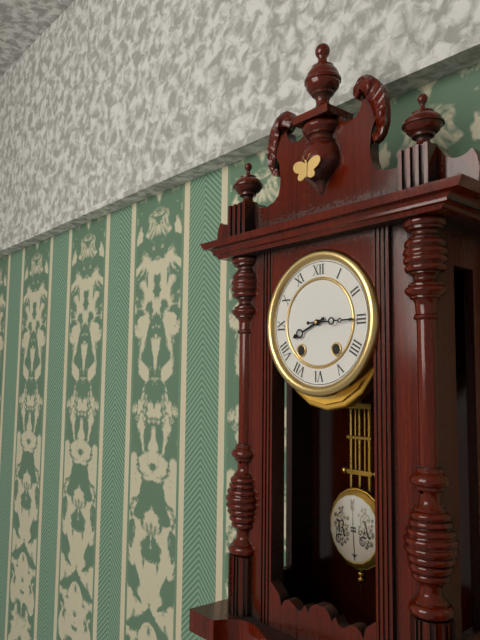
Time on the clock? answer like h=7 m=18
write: h=8 m=15
